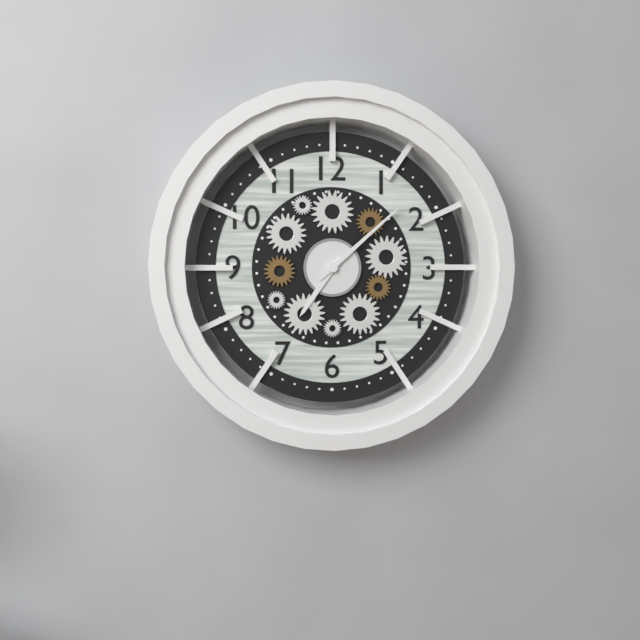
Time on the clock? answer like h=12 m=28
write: h=7 m=8
